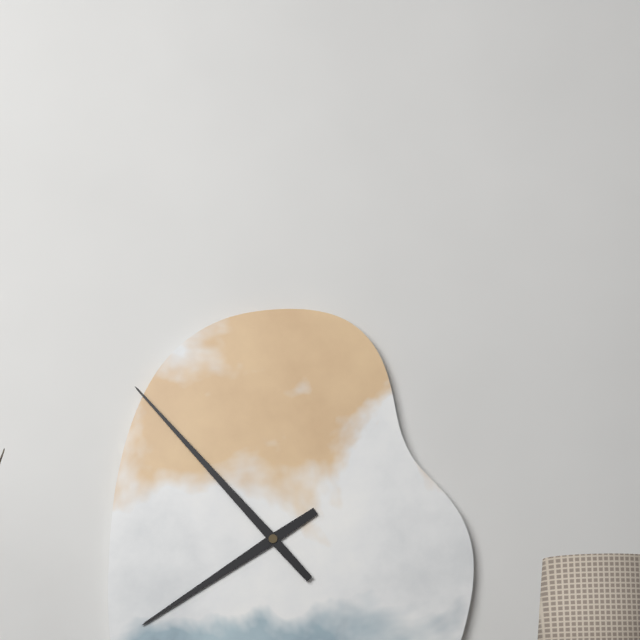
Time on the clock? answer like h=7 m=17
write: h=7 m=53
